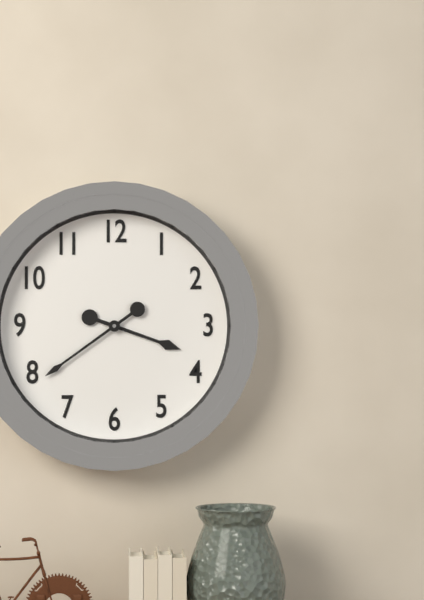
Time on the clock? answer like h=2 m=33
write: h=3 m=39
